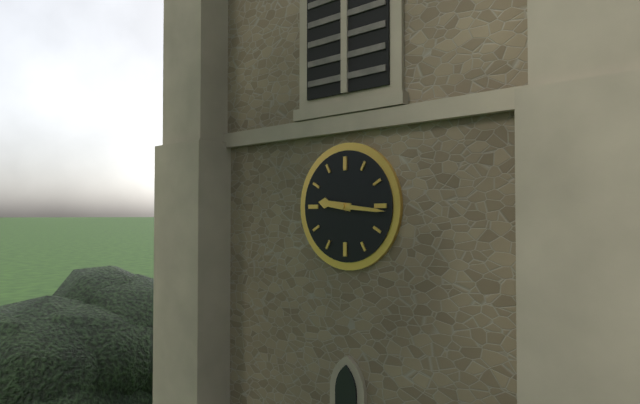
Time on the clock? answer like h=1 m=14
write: h=9 m=16
